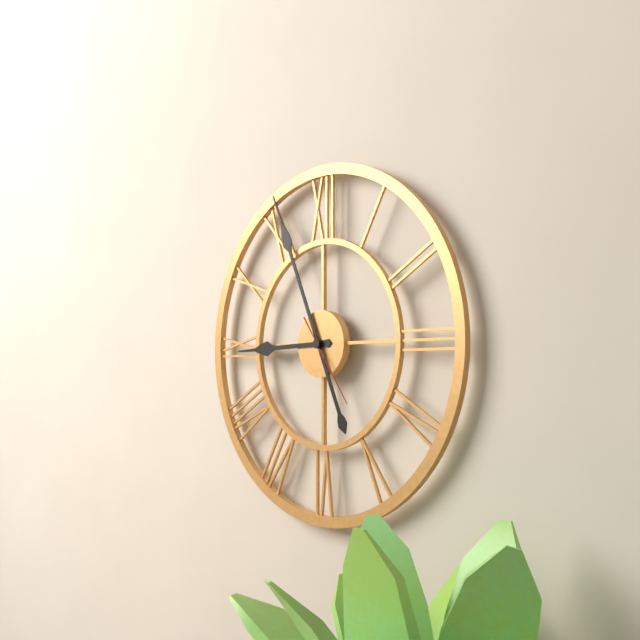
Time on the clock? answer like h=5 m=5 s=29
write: h=8 m=56 s=24
